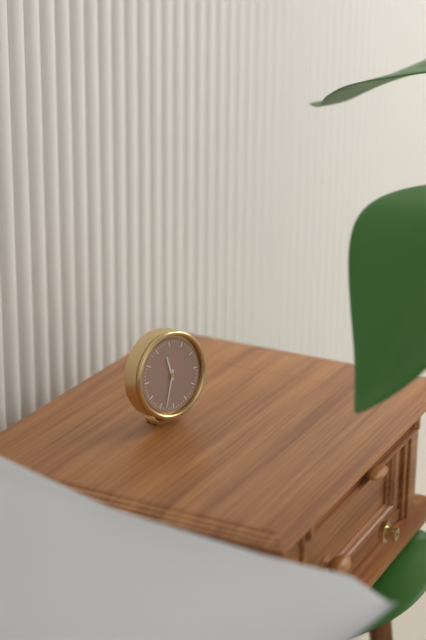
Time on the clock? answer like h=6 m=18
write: h=11 m=33
